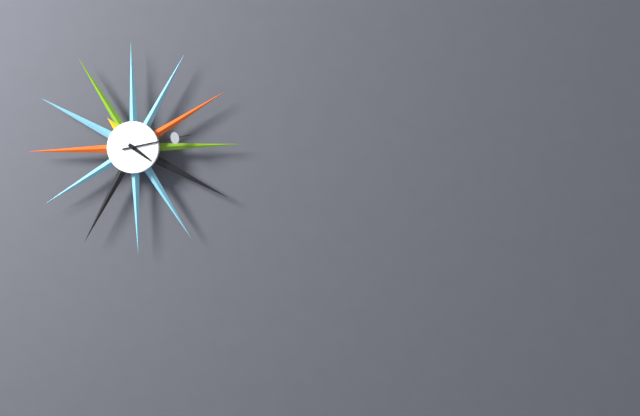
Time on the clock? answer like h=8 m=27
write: h=4 m=13
